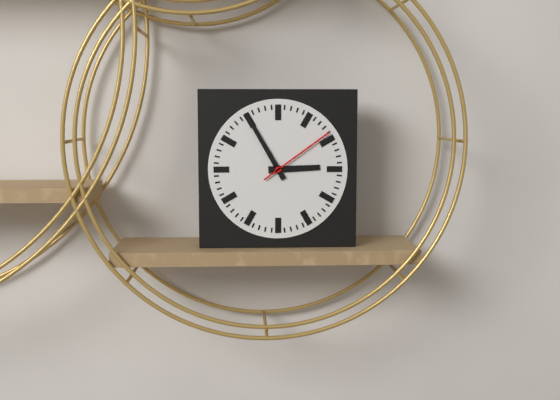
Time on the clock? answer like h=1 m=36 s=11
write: h=2 m=55 s=9
